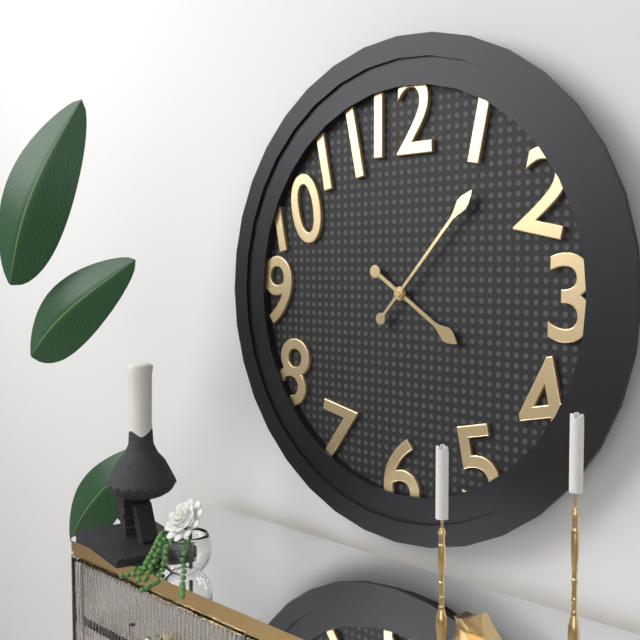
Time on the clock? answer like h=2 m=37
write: h=4 m=7
